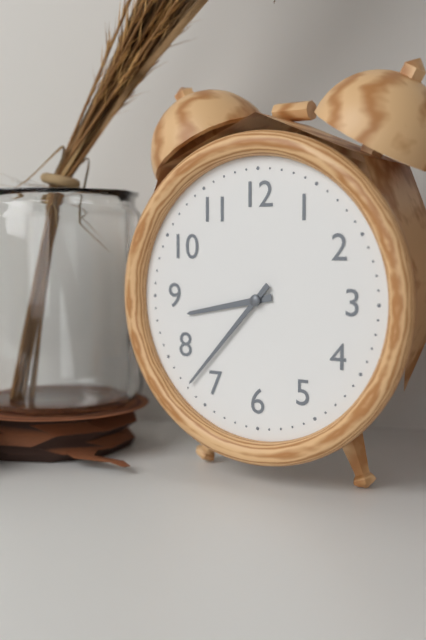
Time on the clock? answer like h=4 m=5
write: h=8 m=37
